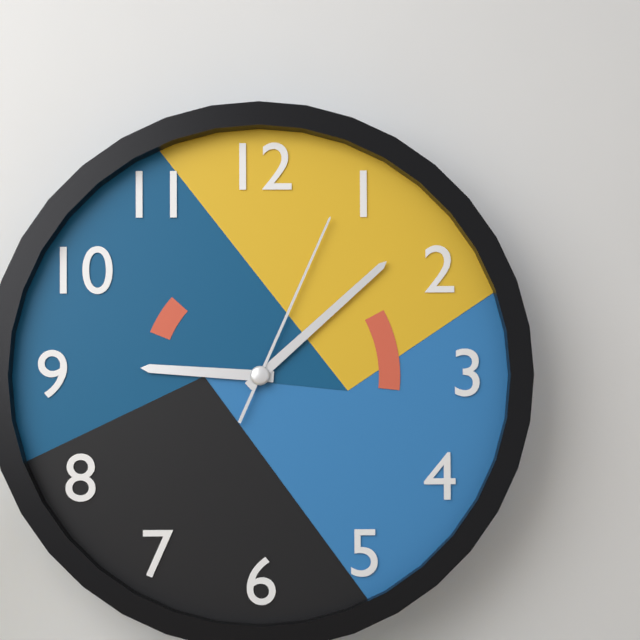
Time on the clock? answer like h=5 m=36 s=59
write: h=9 m=8 s=4
